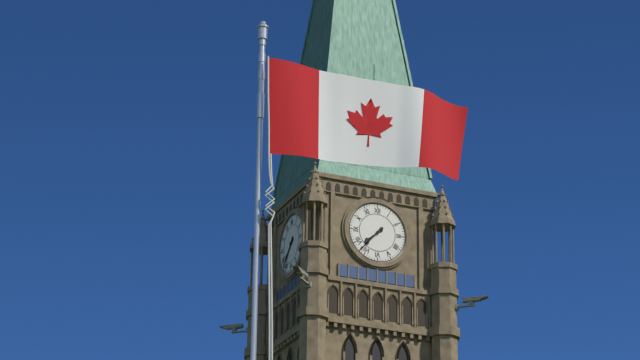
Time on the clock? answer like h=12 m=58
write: h=7 m=37
